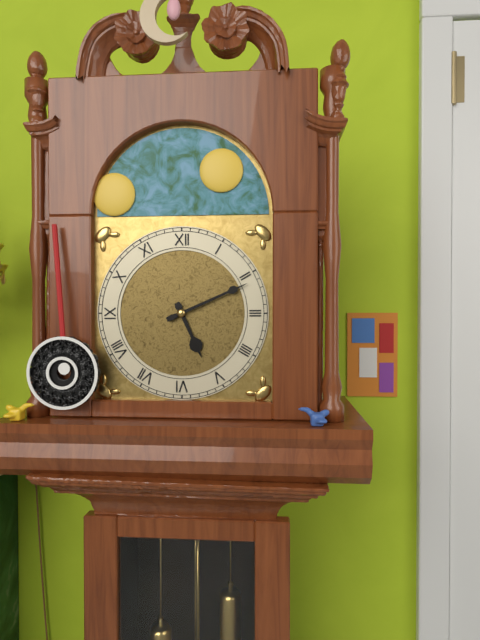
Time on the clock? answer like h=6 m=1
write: h=5 m=11
